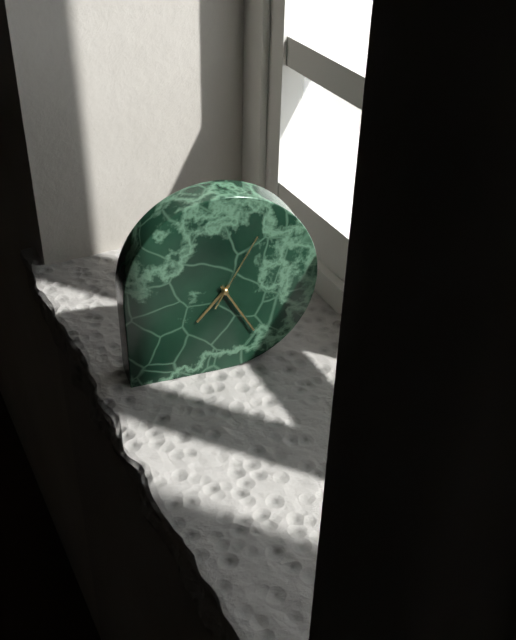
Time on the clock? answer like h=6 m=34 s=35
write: h=7 m=25 s=5
